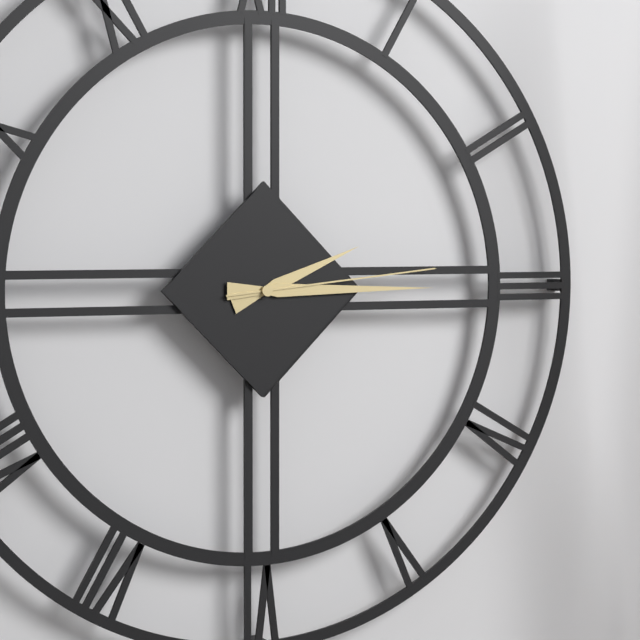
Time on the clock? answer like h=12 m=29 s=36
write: h=2 m=15 s=14
